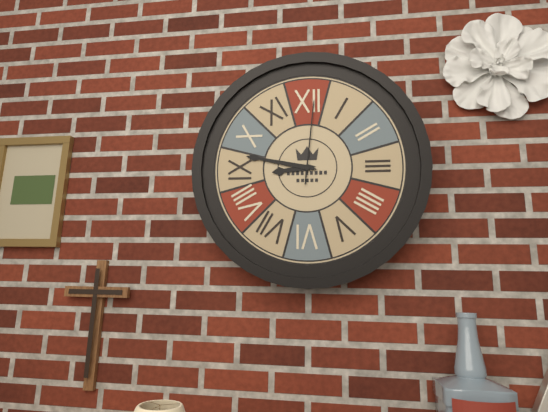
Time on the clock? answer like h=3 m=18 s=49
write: h=8 m=47 s=1
